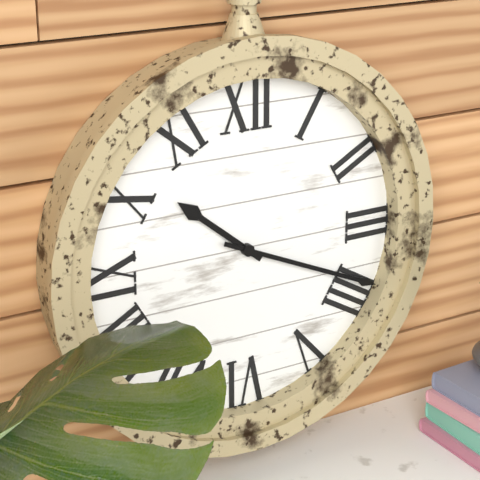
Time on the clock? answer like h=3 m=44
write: h=10 m=19
